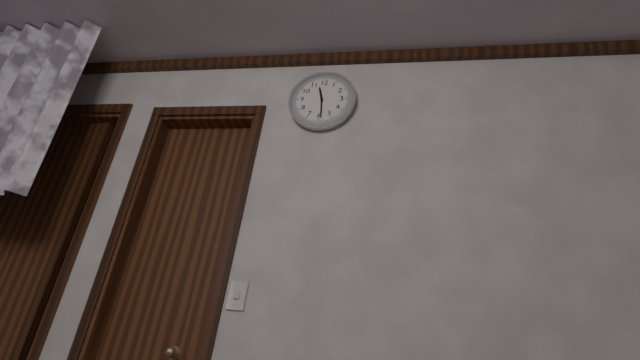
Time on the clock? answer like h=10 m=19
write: h=11 m=29
